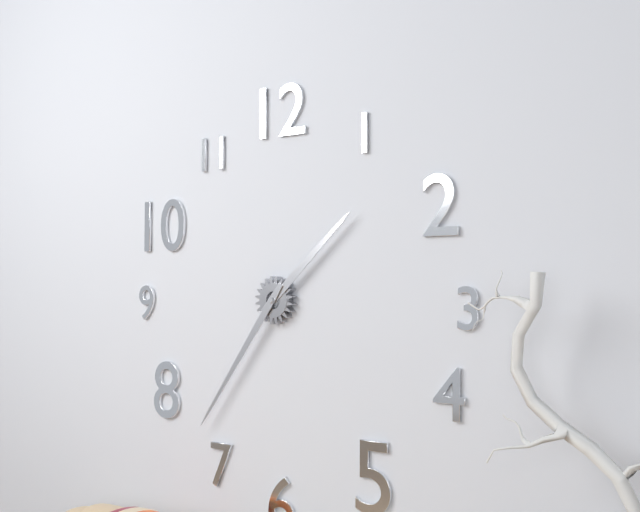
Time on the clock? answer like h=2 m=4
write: h=1 m=36
